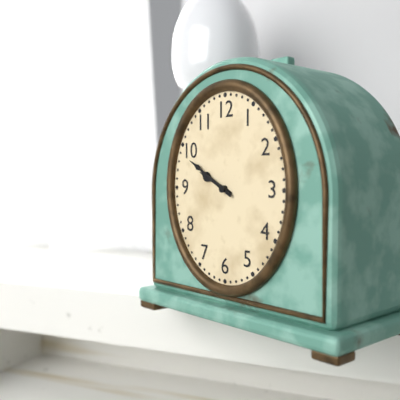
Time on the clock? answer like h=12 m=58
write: h=9 m=50
